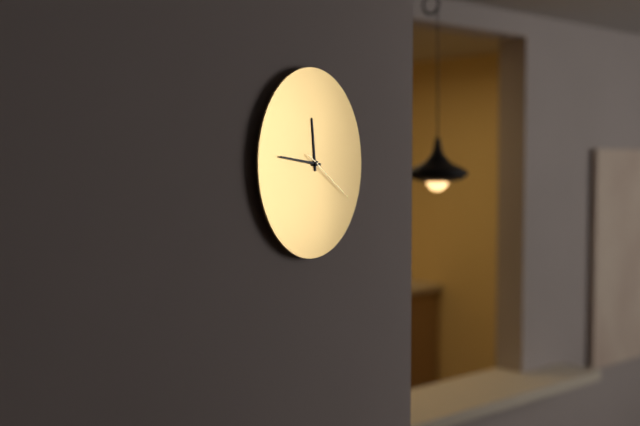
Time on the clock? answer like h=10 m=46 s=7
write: h=11 m=46 s=20
